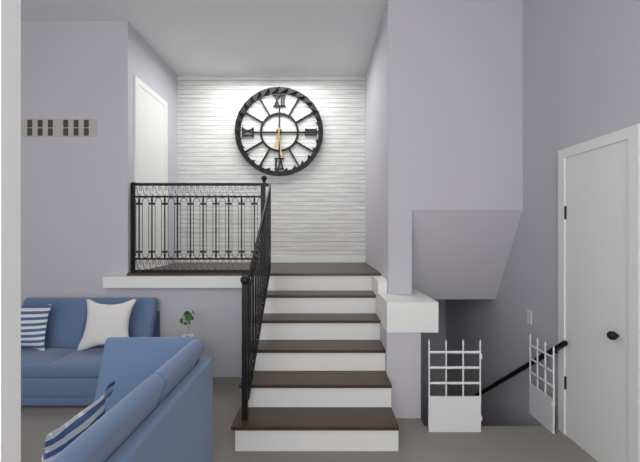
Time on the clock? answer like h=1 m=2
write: h=6 m=29
